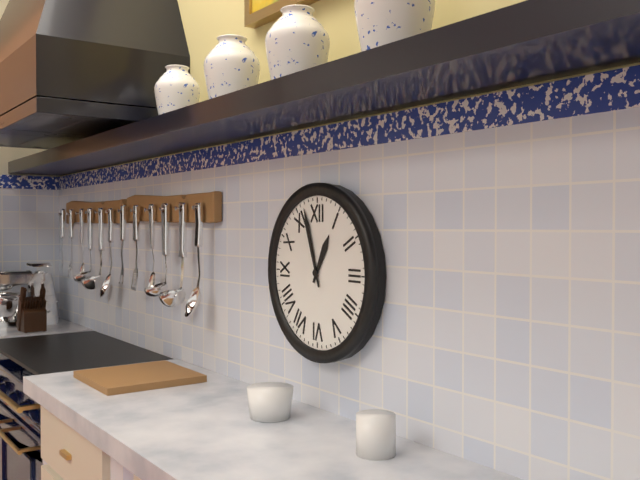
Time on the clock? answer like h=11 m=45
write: h=12 m=57
